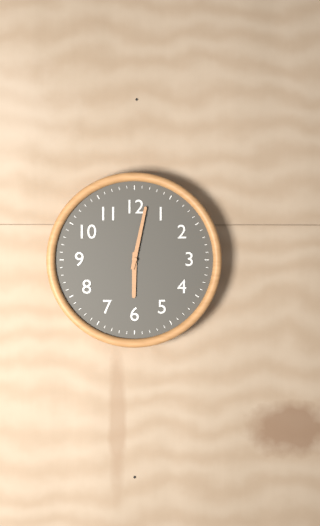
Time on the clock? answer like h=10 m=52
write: h=6 m=2
